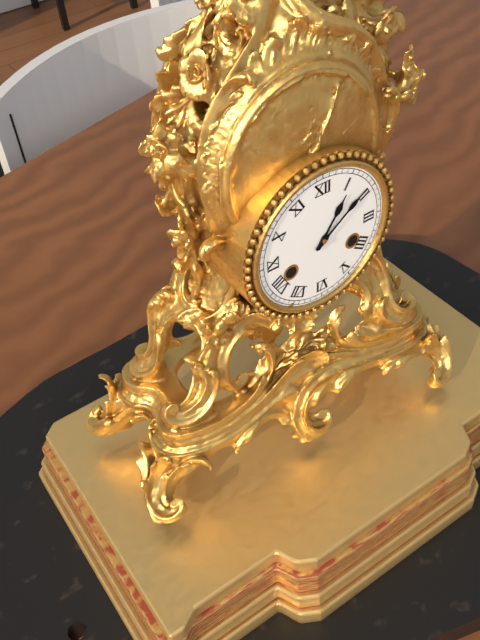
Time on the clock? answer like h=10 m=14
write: h=1 m=9
